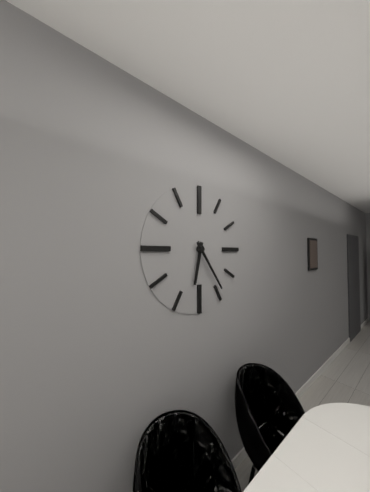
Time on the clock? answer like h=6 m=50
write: h=6 m=24
